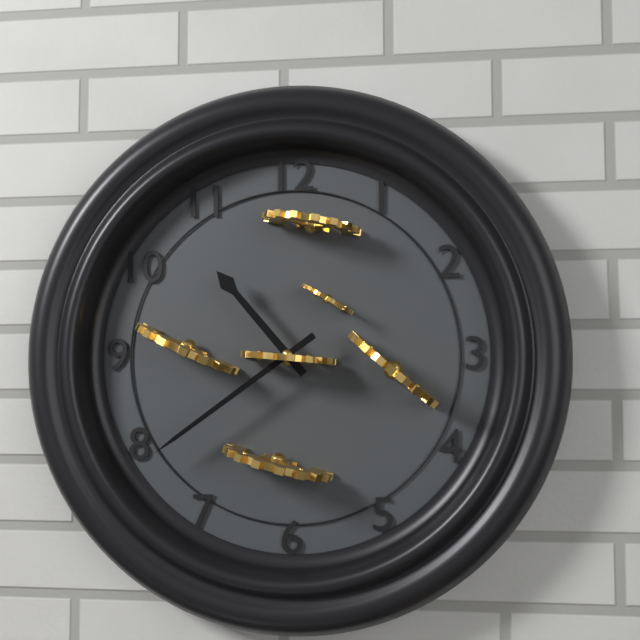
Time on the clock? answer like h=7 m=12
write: h=10 m=39
